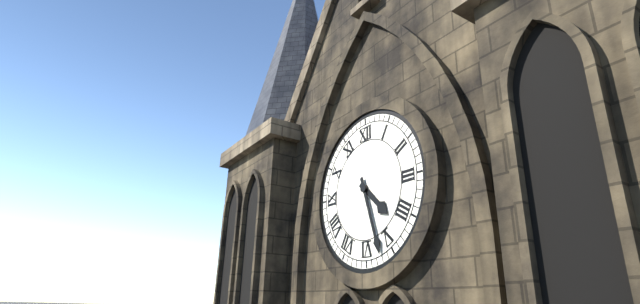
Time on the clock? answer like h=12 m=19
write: h=4 m=27
